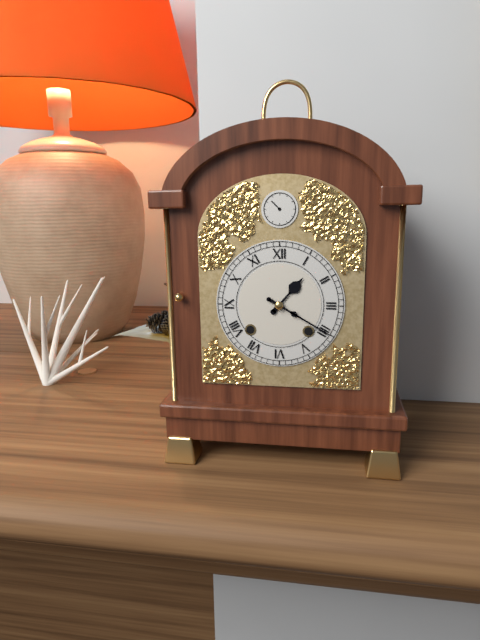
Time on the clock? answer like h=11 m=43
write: h=1 m=20
